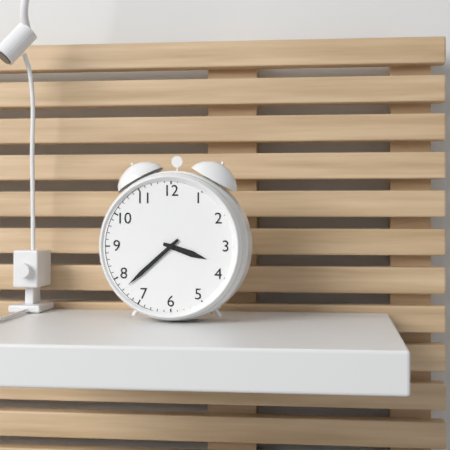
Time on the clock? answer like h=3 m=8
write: h=3 m=38
